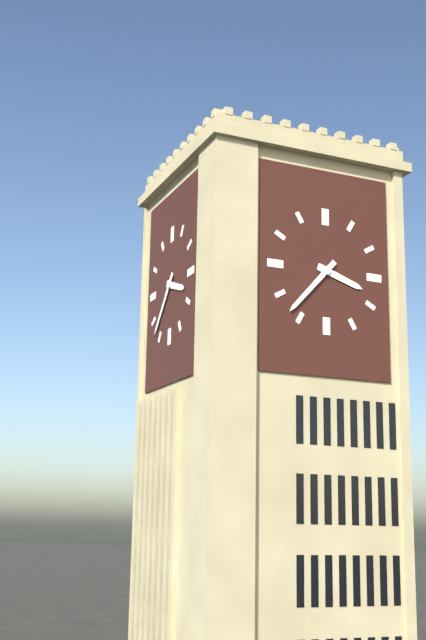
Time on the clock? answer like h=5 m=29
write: h=3 m=37
